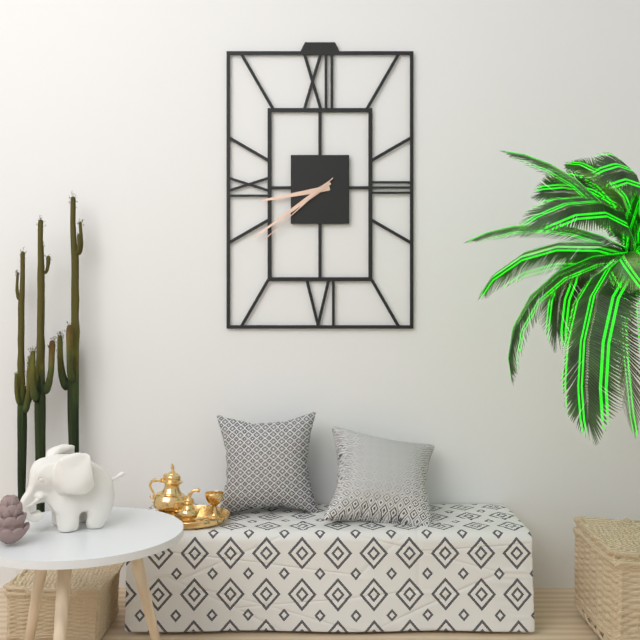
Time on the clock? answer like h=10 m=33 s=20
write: h=8 m=39 s=38
